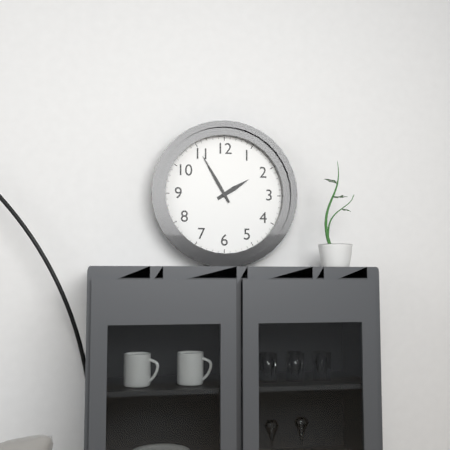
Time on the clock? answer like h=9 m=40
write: h=1 m=55
